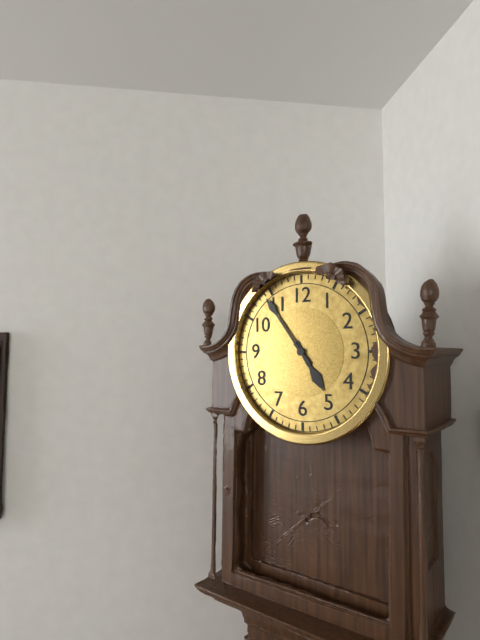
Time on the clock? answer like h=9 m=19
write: h=4 m=54
